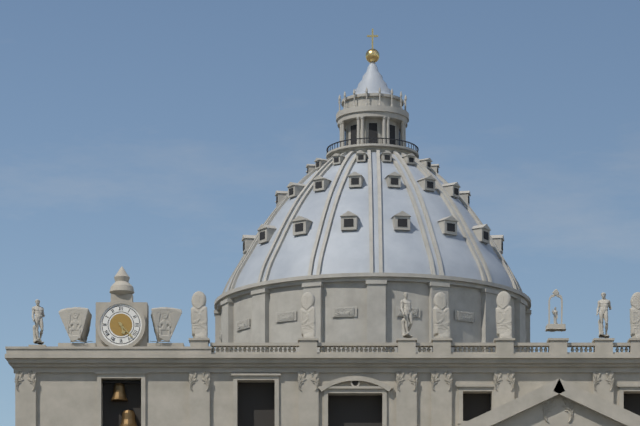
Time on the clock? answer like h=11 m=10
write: h=5 m=23
